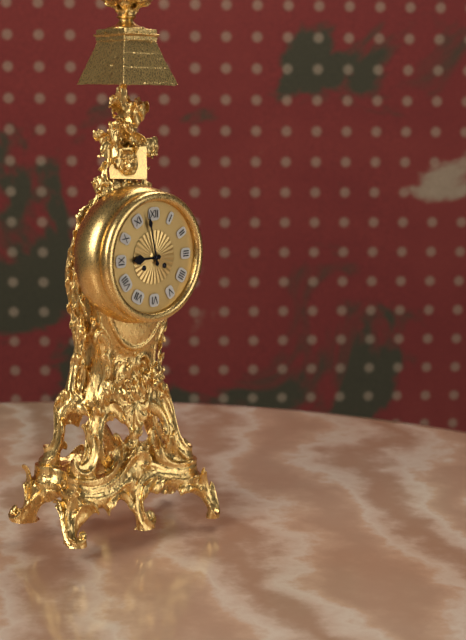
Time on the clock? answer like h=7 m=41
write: h=8 m=58
